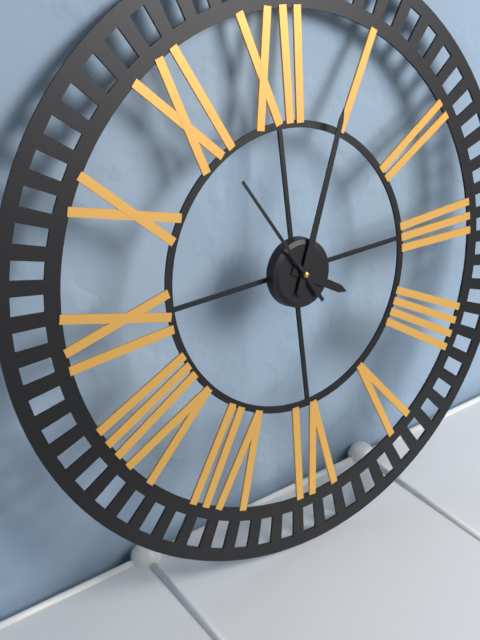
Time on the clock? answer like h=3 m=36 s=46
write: h=4 m=4 s=55
